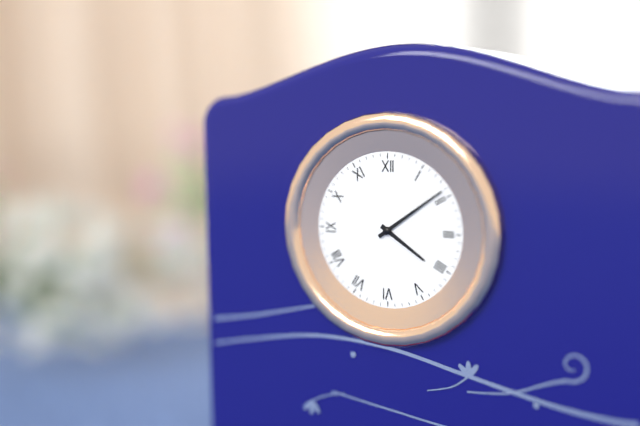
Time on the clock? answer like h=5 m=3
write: h=4 m=9
